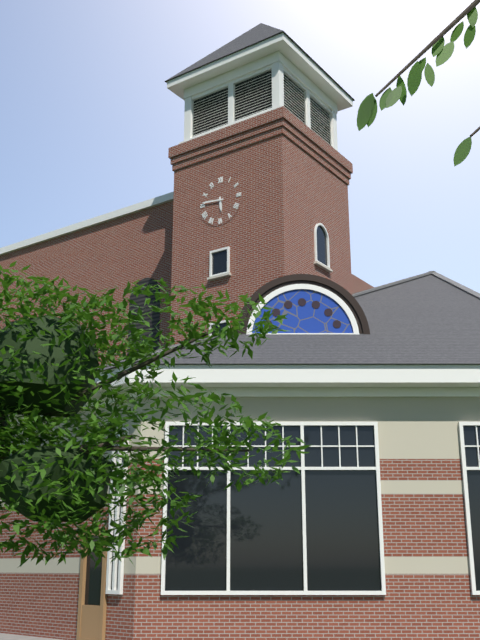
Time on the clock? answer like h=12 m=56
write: h=5 m=46
